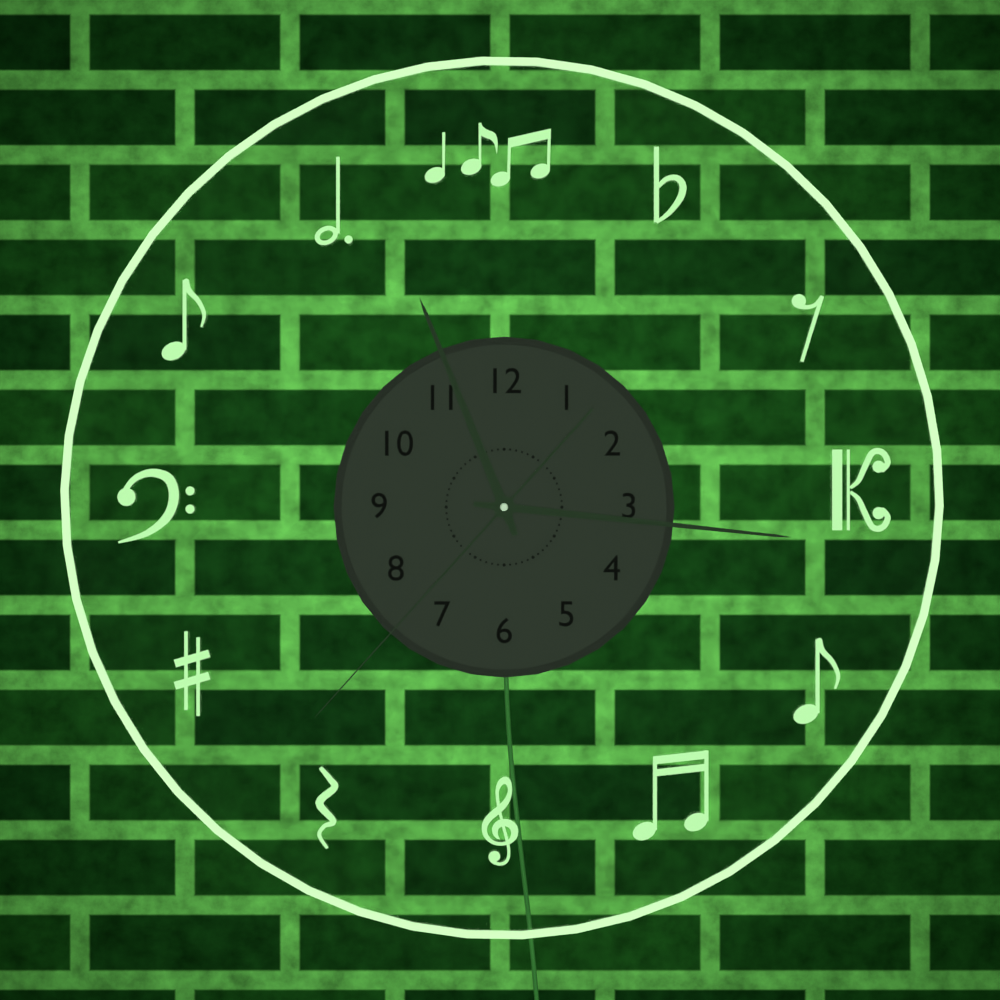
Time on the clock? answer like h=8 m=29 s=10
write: h=11 m=16 s=37
